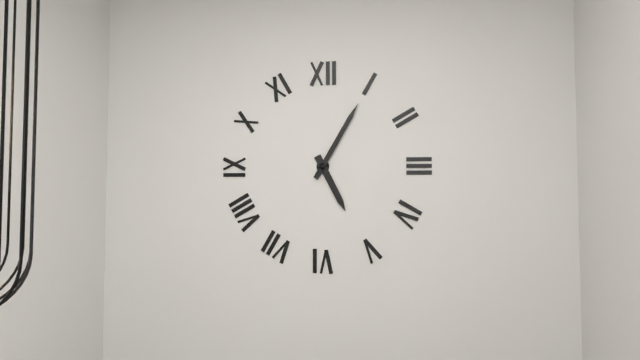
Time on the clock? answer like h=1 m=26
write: h=5 m=5
